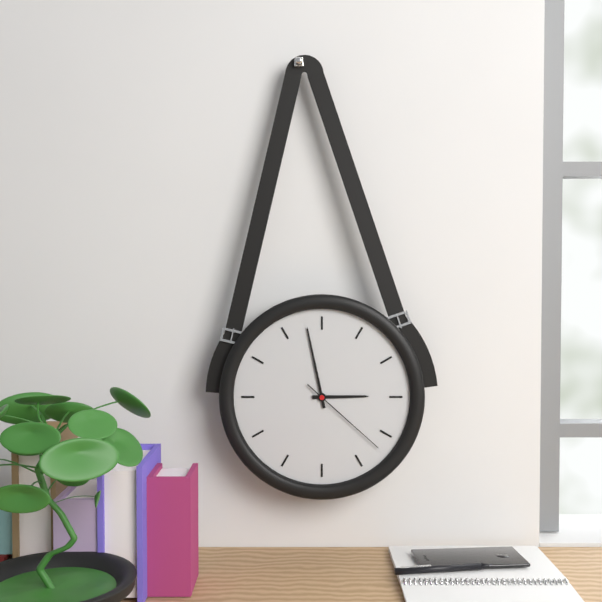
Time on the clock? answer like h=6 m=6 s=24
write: h=2 m=58 s=22
